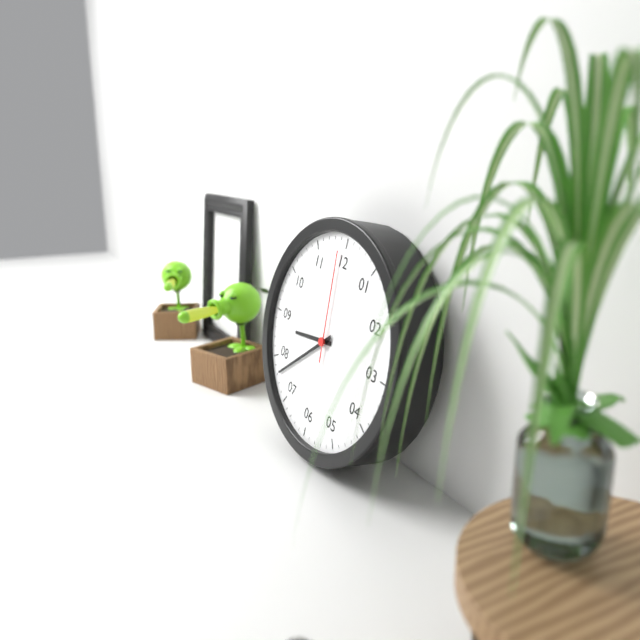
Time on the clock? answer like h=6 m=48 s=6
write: h=8 m=38 s=59
